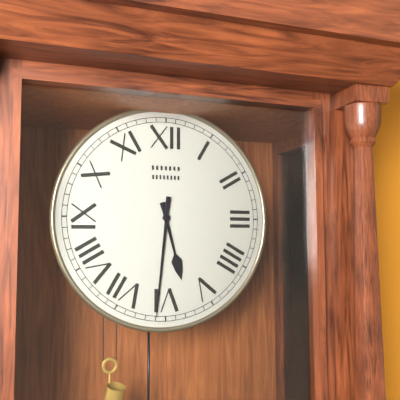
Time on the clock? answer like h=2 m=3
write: h=5 m=31
